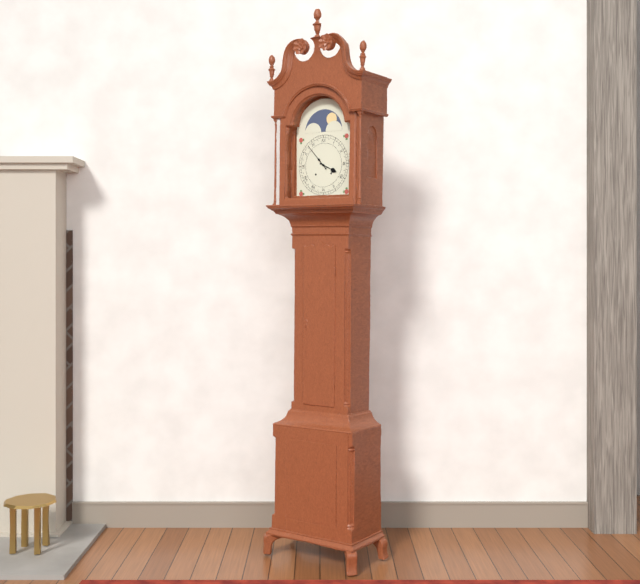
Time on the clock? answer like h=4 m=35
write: h=3 m=53
